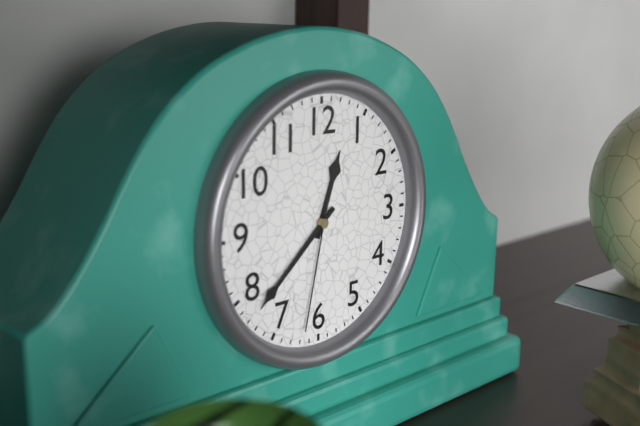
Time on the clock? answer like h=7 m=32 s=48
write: h=12 m=38 s=32
